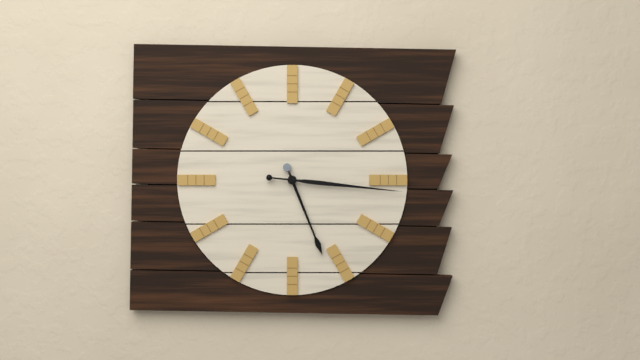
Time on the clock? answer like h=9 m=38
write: h=5 m=16
